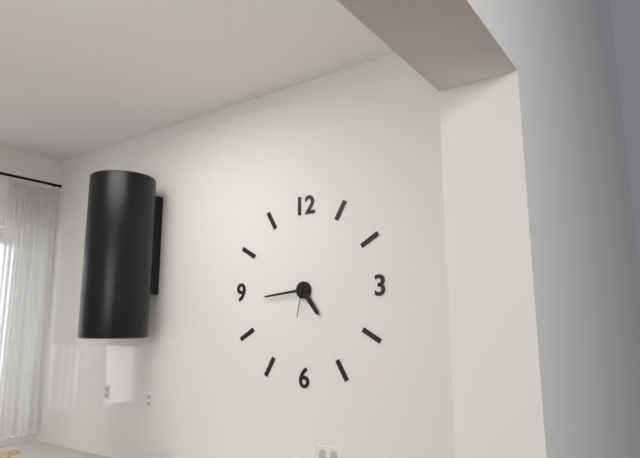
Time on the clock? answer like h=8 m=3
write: h=4 m=44
